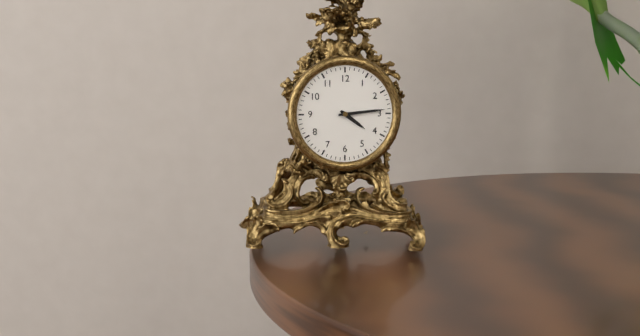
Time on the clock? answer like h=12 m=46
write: h=4 m=14
